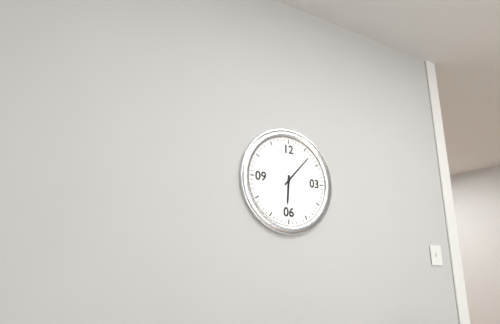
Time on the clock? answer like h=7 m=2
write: h=6 m=7
